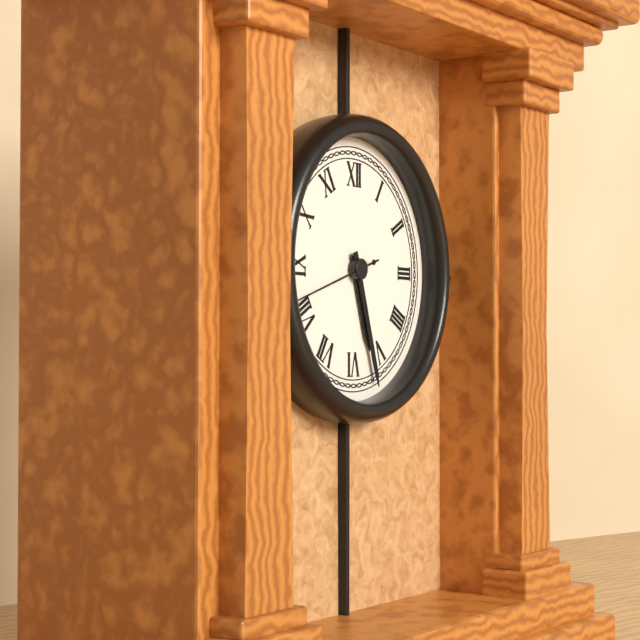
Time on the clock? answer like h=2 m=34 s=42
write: h=5 m=27 s=42
